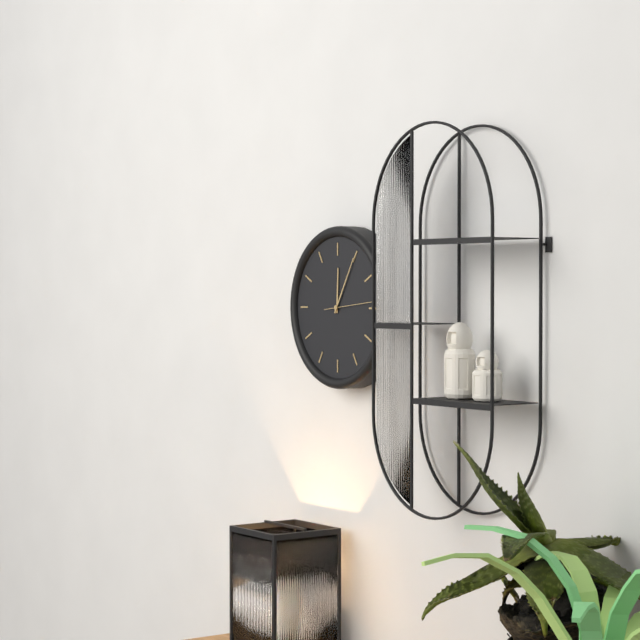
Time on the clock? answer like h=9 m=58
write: h=12 m=5
